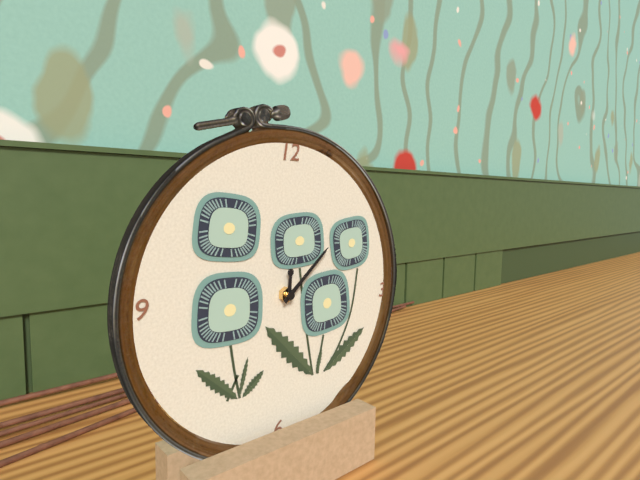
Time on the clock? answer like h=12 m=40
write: h=12 m=8
